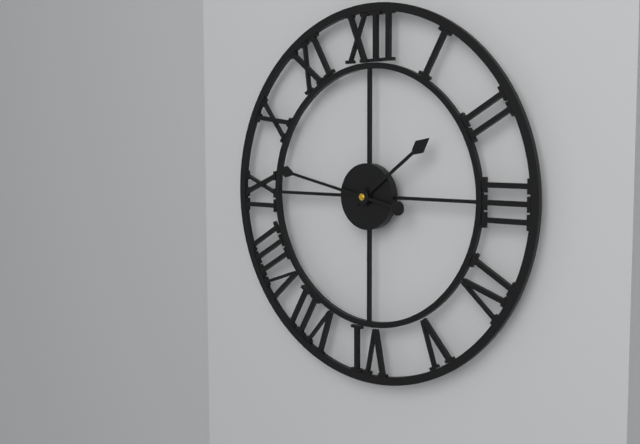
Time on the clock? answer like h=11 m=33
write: h=1 m=47
